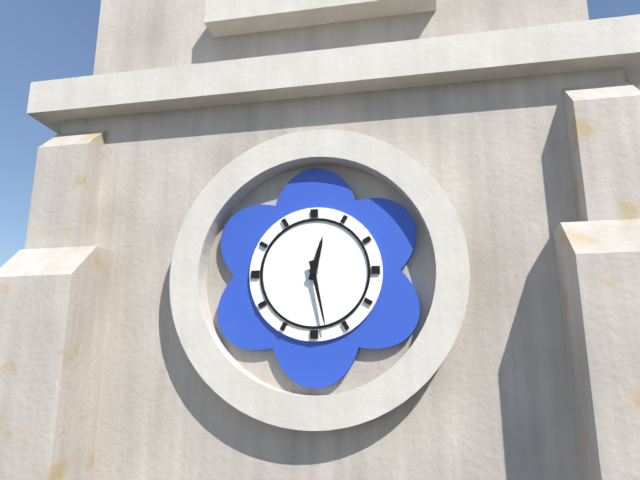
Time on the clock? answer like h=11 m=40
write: h=12 m=28
